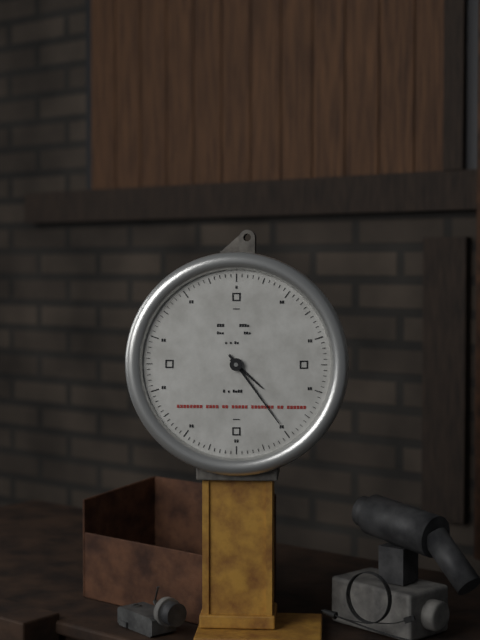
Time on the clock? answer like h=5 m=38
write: h=4 m=24
